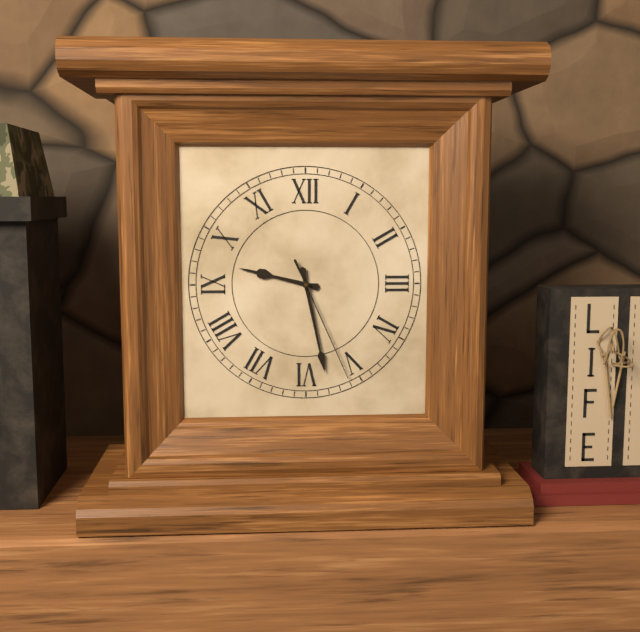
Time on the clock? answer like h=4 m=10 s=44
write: h=9 m=28 s=26
